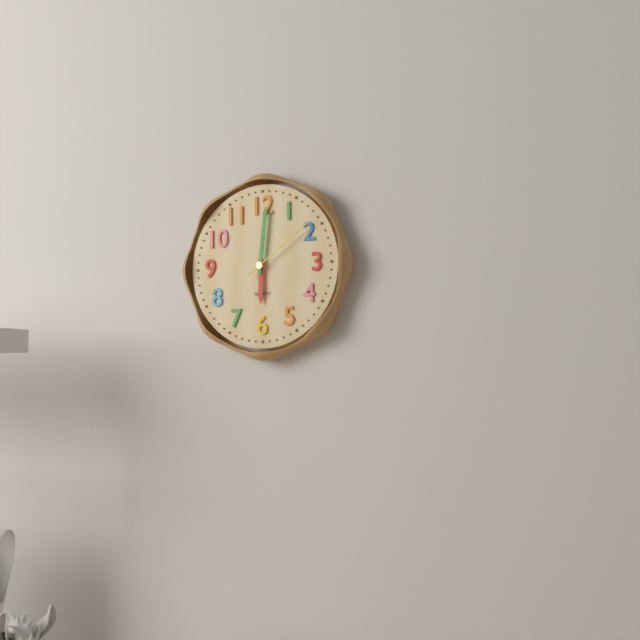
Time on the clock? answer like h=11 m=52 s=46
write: h=6 m=1 s=9
